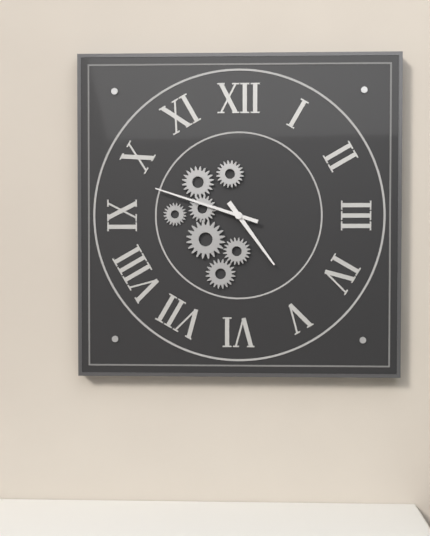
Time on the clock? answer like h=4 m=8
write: h=4 m=48
